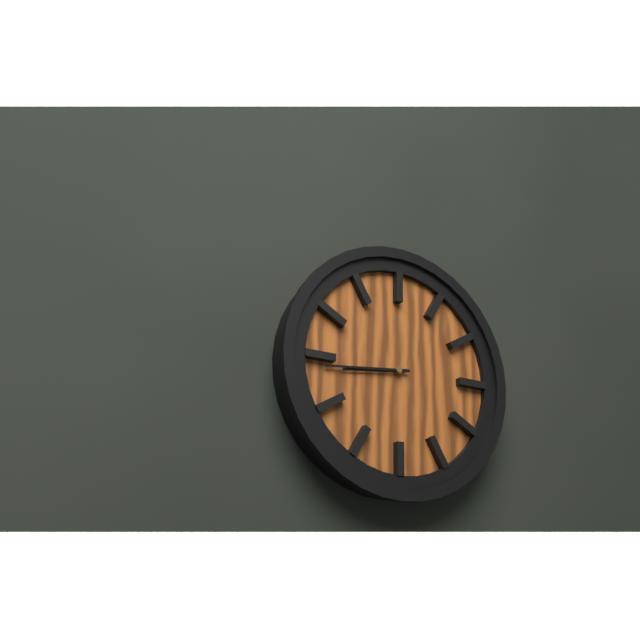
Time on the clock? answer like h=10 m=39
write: h=8 m=44
